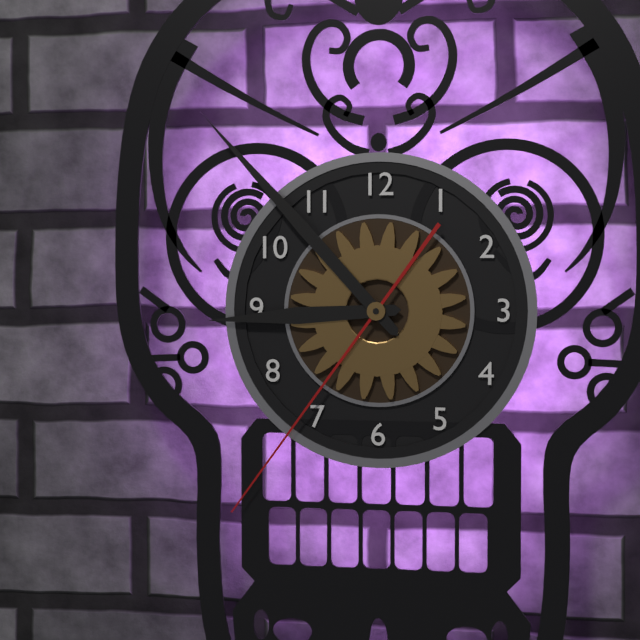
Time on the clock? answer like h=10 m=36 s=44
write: h=8 m=53 s=36
